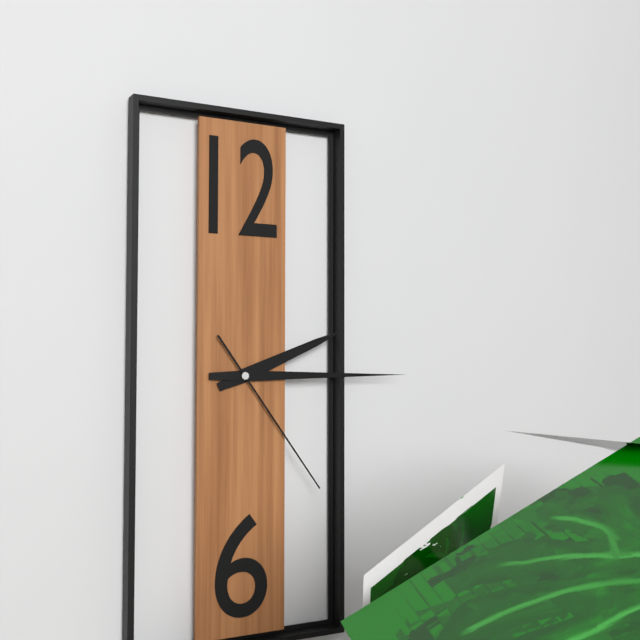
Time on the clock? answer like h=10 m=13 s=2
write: h=2 m=15 s=24
